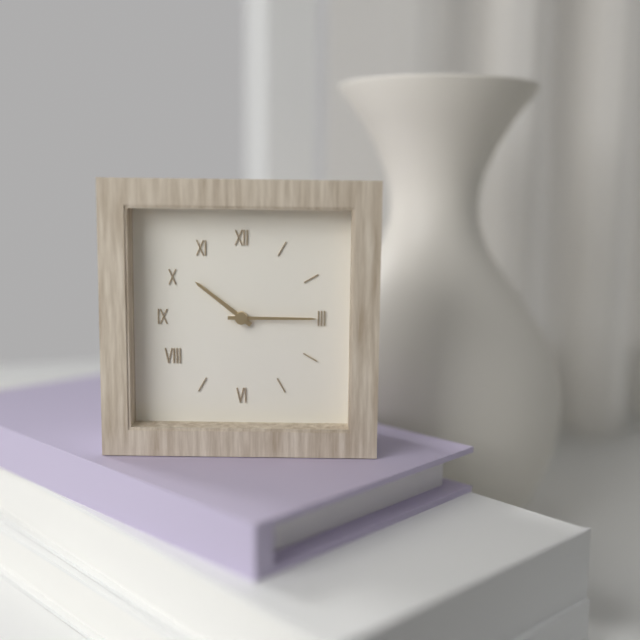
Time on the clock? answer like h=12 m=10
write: h=10 m=15
